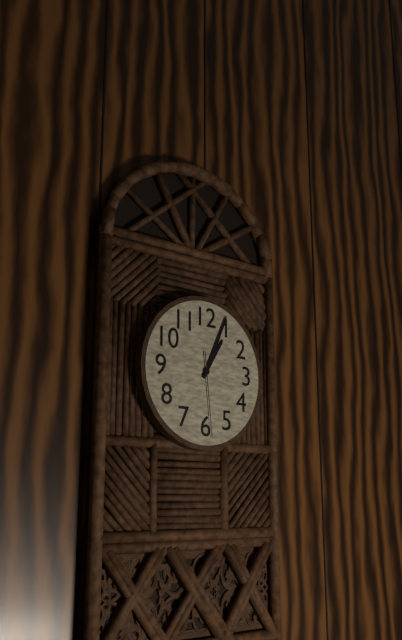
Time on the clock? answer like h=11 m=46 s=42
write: h=1 m=4 s=29
